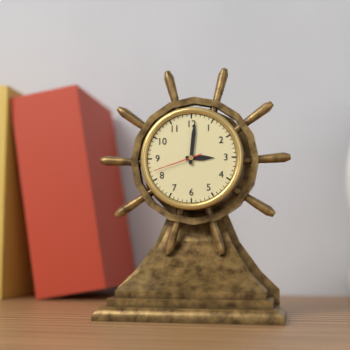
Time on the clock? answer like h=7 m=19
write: h=3 m=1
